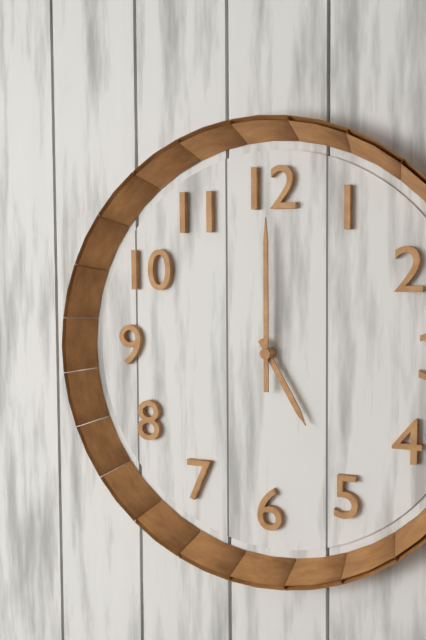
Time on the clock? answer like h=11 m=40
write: h=5 m=0
